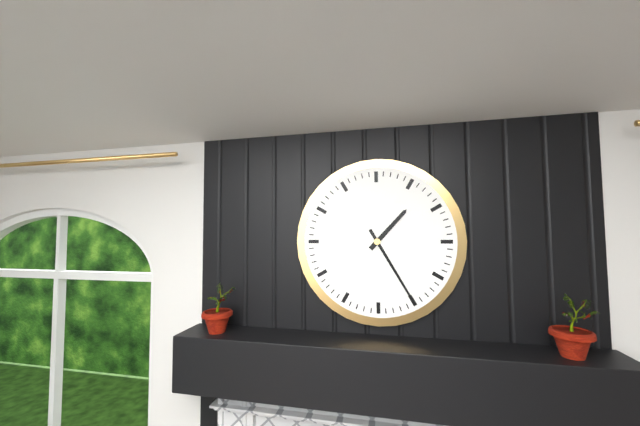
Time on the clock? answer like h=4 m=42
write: h=1 m=25
